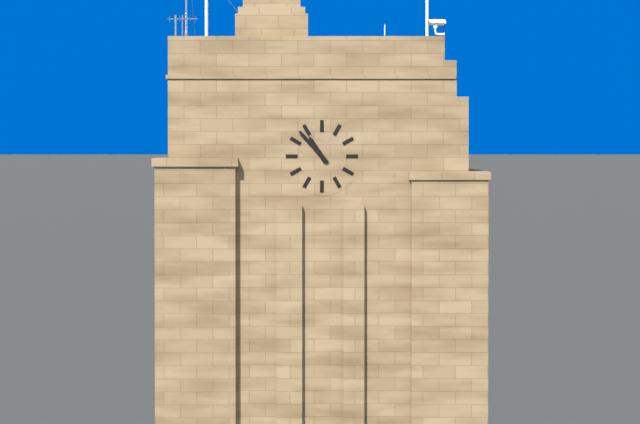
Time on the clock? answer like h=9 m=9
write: h=10 m=53
